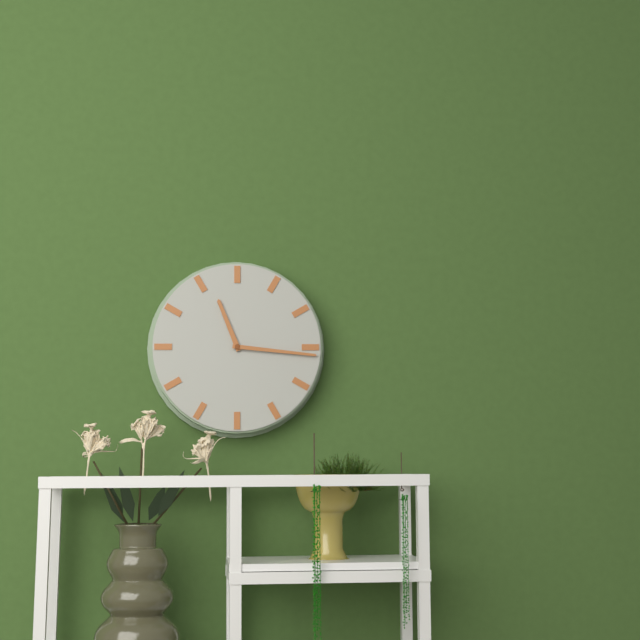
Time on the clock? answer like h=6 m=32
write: h=11 m=16
